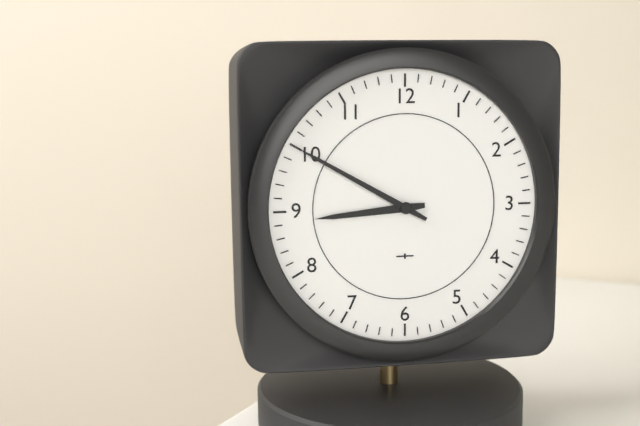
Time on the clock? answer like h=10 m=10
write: h=8 m=50
